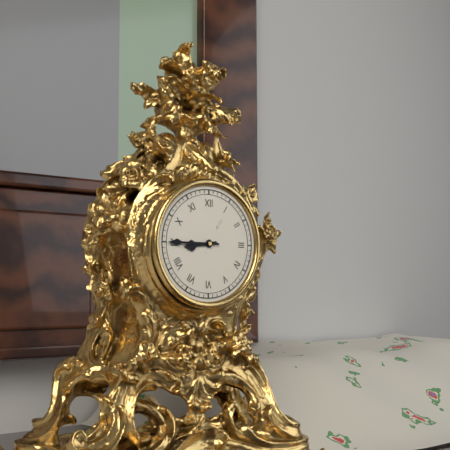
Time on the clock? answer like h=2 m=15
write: h=8 m=45
